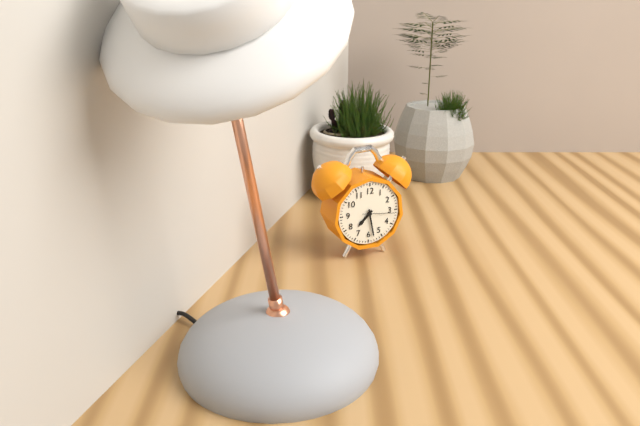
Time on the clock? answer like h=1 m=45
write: h=7 m=28
